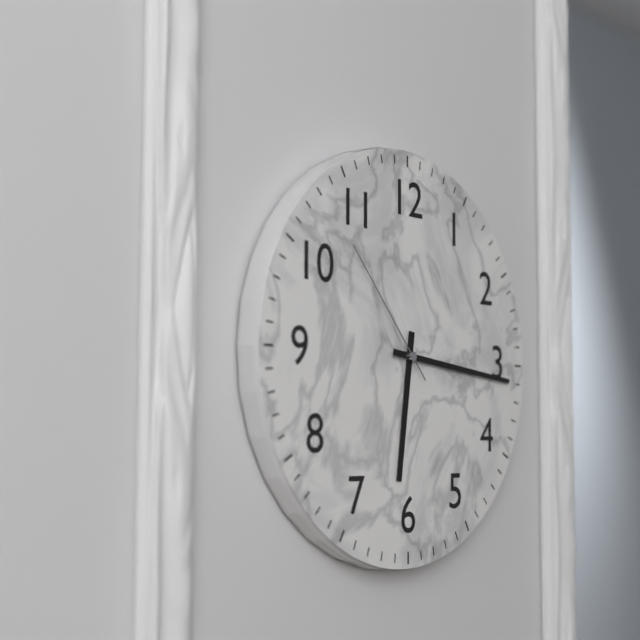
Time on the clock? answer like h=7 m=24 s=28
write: h=6 m=16 s=53
